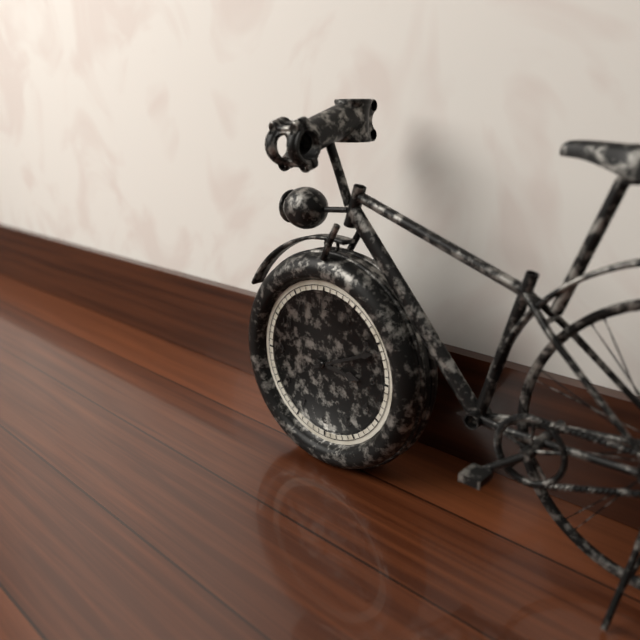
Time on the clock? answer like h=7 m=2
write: h=3 m=11
